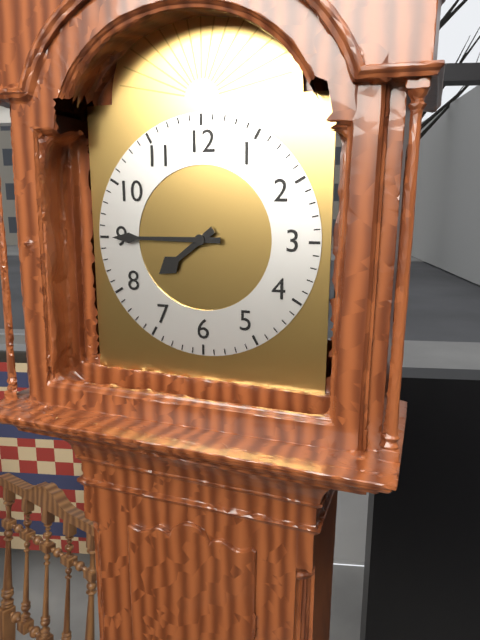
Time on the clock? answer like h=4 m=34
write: h=7 m=45
